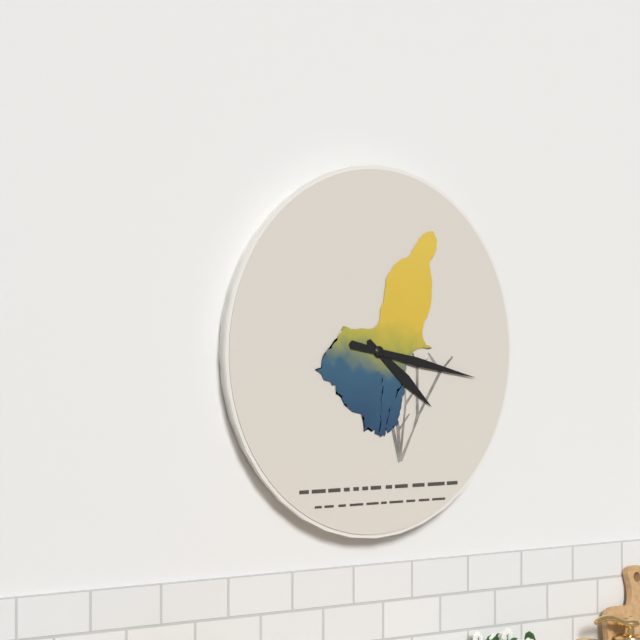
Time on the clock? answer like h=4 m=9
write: h=4 m=17
